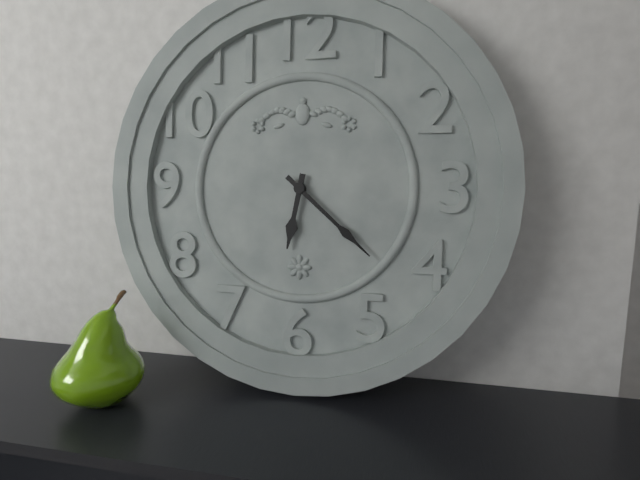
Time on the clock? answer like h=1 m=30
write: h=6 m=22
